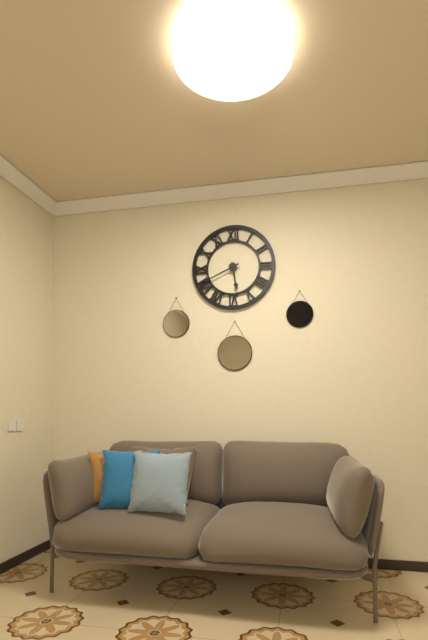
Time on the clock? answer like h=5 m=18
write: h=5 m=41
